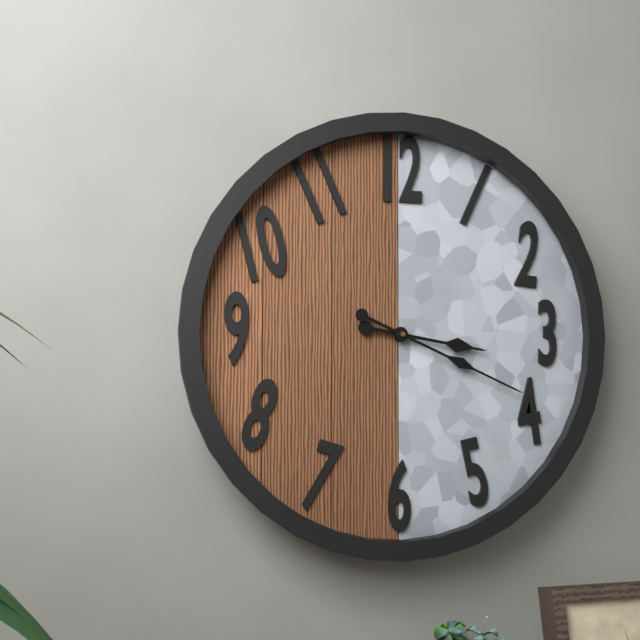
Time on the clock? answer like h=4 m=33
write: h=3 m=19
